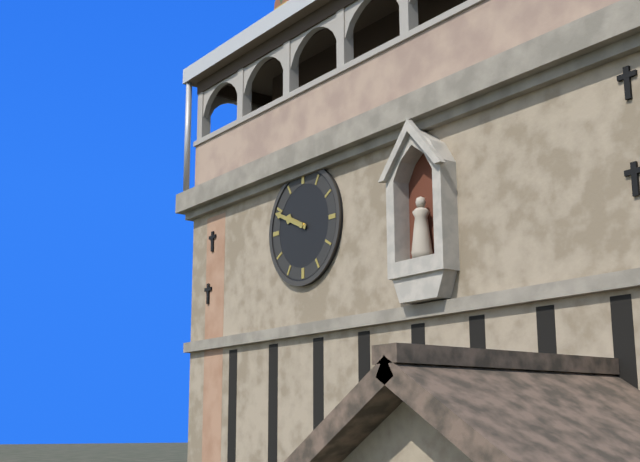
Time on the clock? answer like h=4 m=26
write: h=9 m=49
